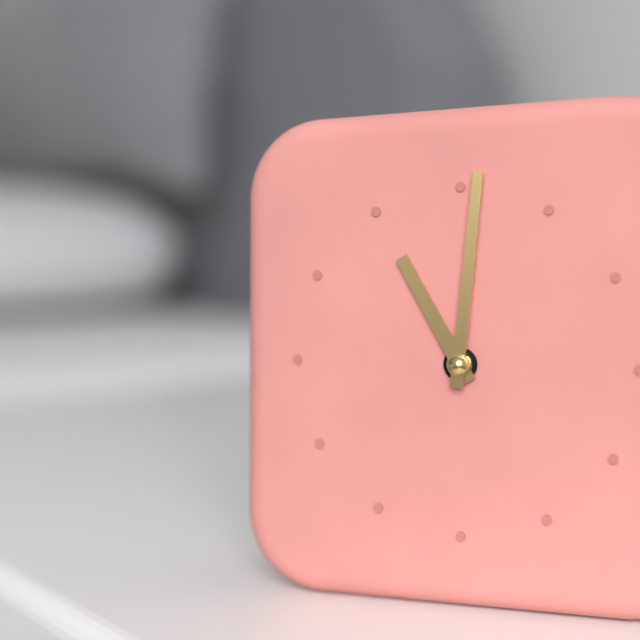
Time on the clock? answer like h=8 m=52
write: h=11 m=1
